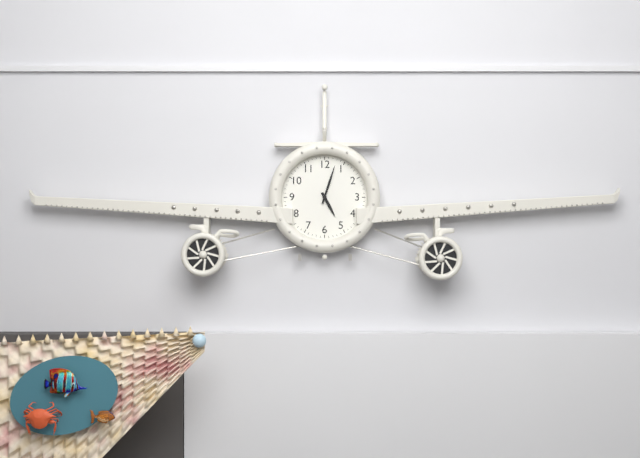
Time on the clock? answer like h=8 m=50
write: h=5 m=3
